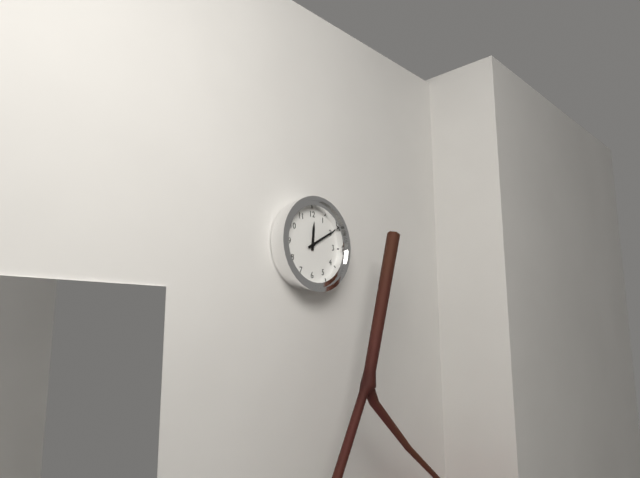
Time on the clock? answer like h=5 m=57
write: h=12 m=10
